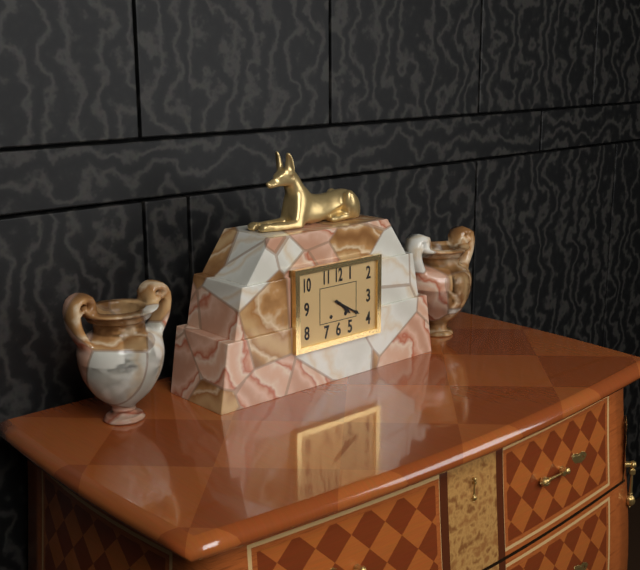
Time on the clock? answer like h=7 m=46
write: h=4 m=20
